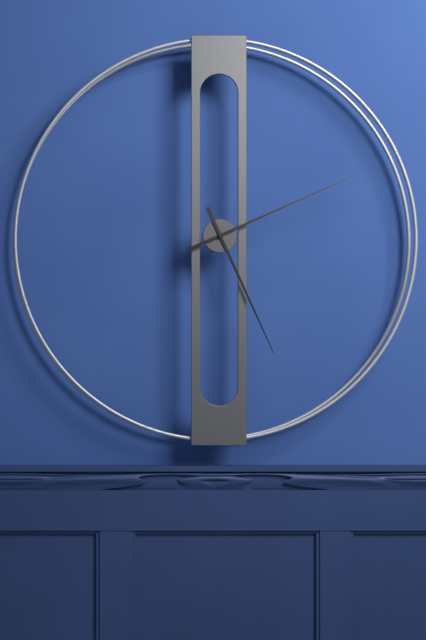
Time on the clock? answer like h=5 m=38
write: h=5 m=11
